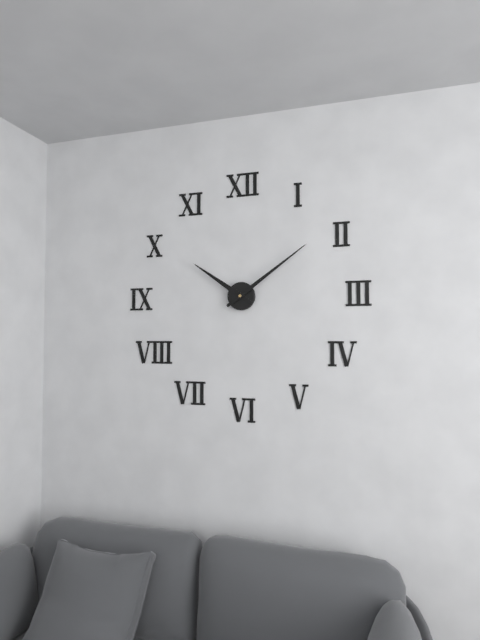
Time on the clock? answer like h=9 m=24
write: h=10 m=9
